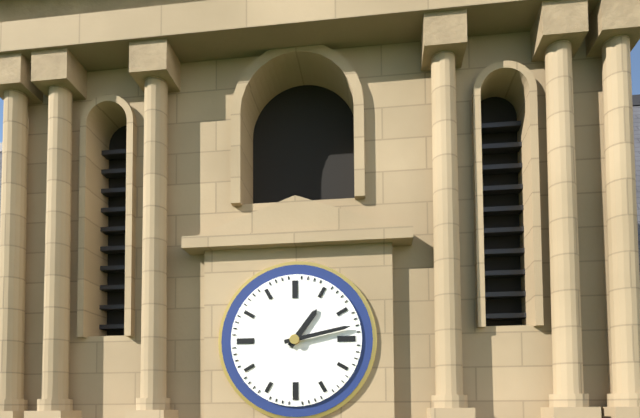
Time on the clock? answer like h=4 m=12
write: h=1 m=13
